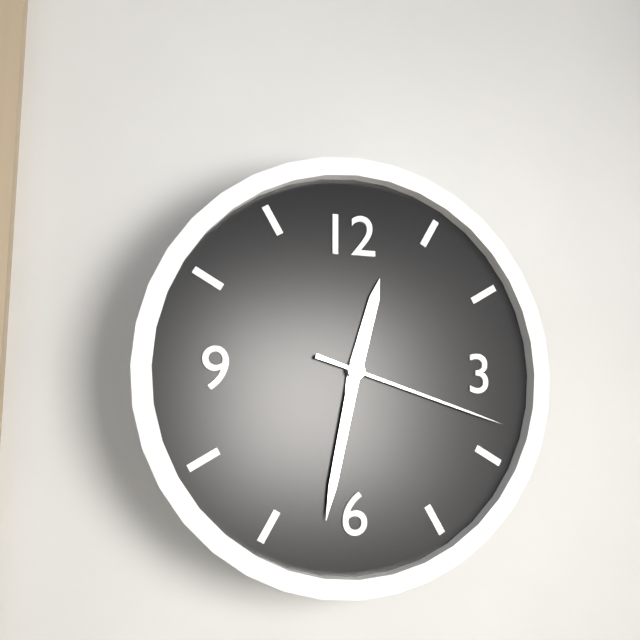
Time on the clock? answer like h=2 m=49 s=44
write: h=12 m=32 s=18
